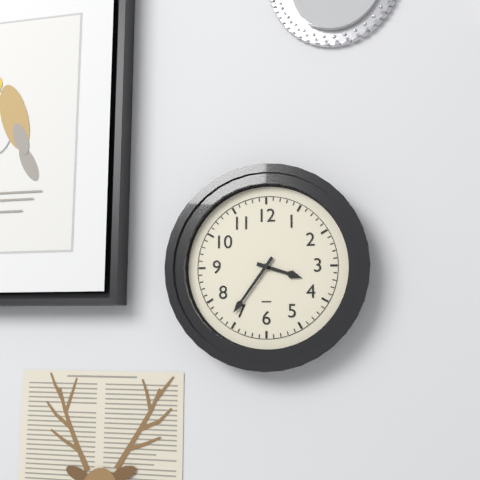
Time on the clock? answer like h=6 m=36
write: h=3 m=36
